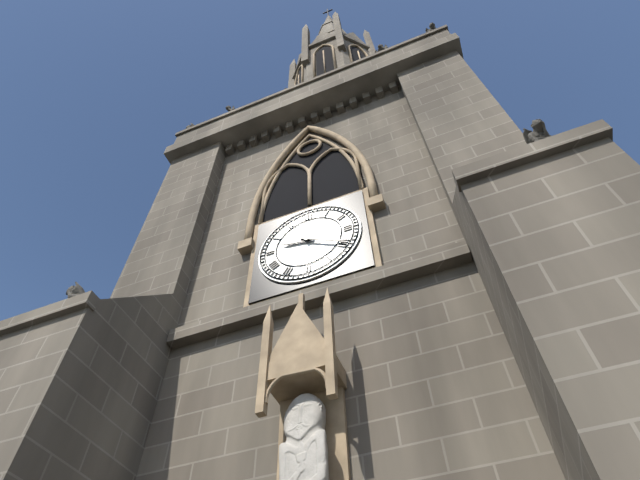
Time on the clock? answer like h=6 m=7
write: h=9 m=20
